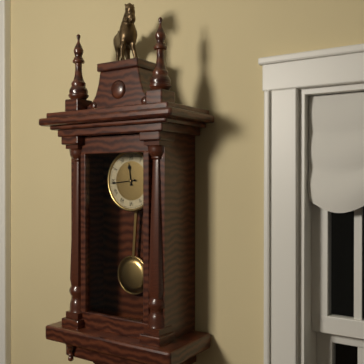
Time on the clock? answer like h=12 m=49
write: h=11 m=44
